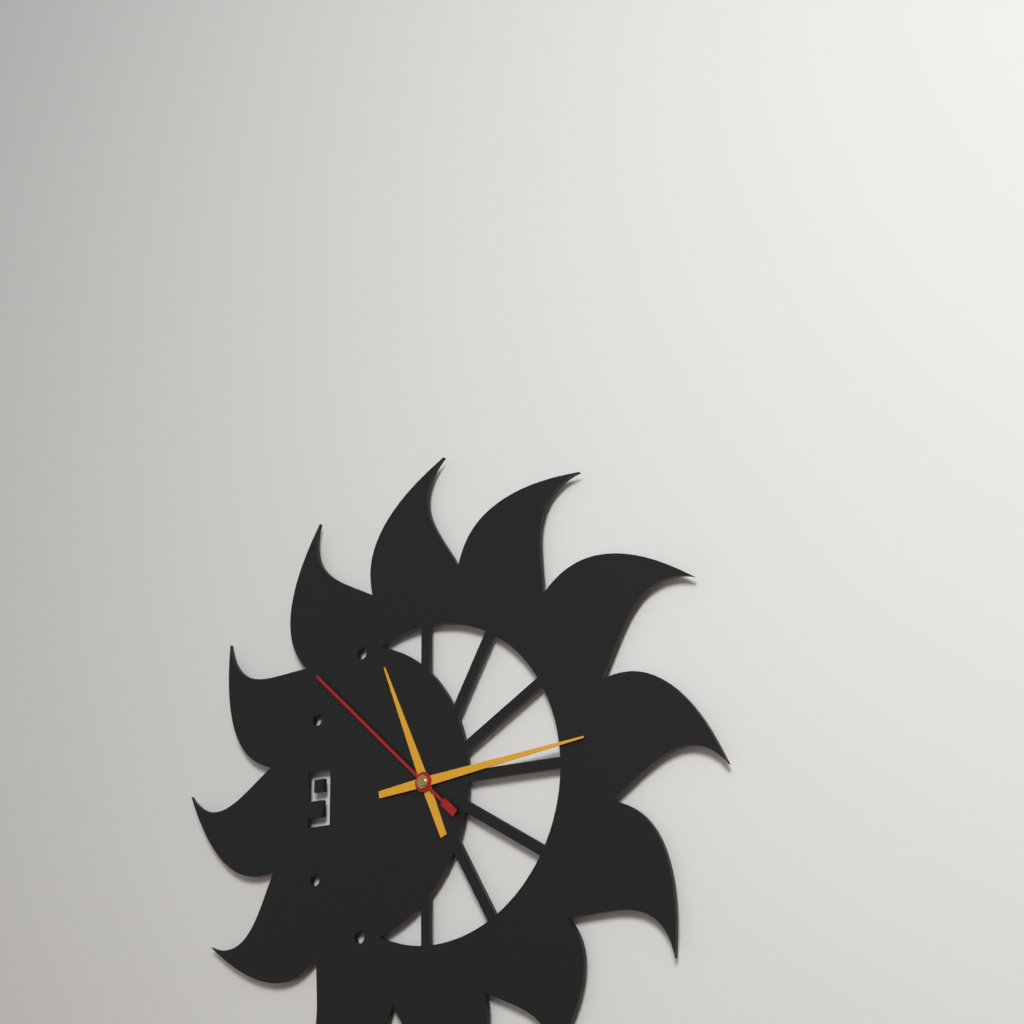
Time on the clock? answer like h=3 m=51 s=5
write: h=11 m=14 s=52
